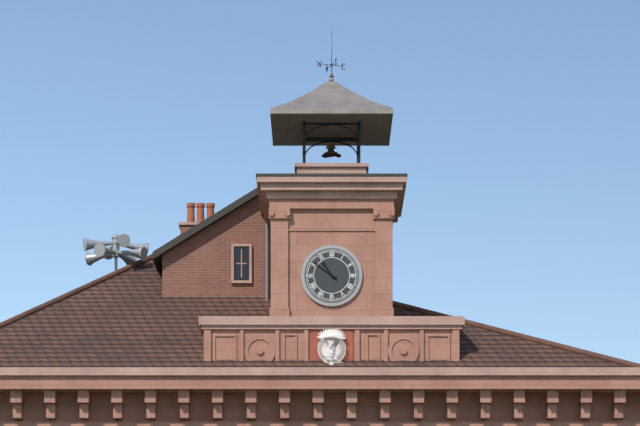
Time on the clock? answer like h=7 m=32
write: h=10 m=51
